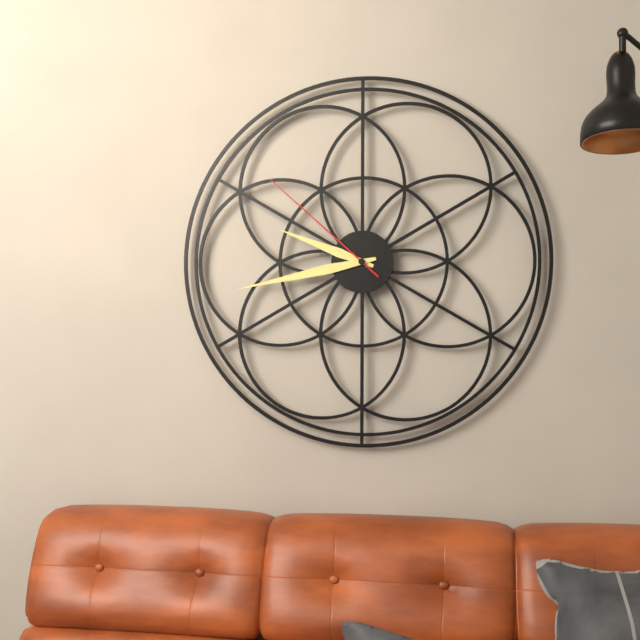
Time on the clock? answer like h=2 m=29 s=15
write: h=9 m=43 s=52
